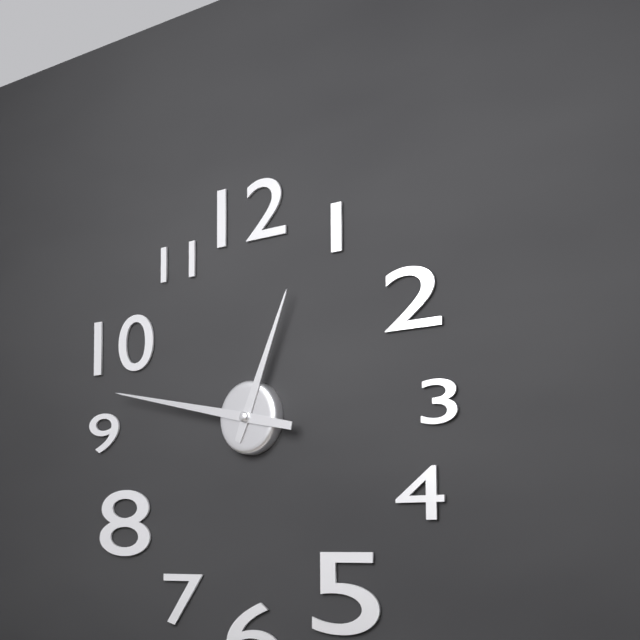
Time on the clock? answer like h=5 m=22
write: h=12 m=47
